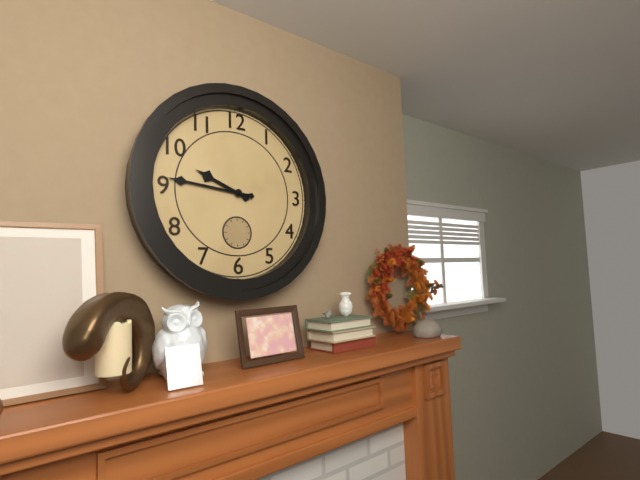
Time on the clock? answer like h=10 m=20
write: h=9 m=46
